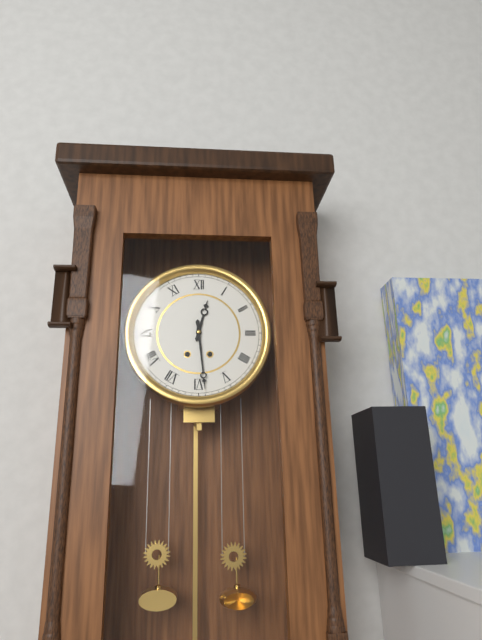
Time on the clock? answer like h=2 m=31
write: h=12 m=29
